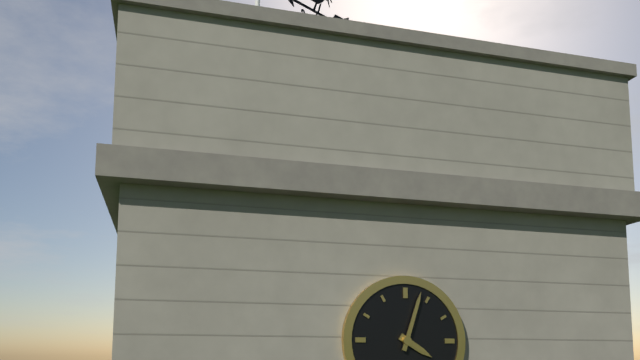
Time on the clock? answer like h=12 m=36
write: h=4 m=3
